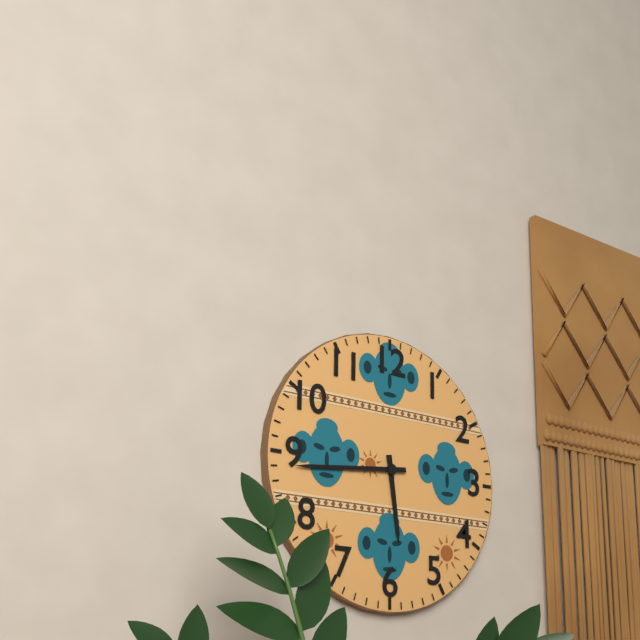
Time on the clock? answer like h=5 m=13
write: h=5 m=44
